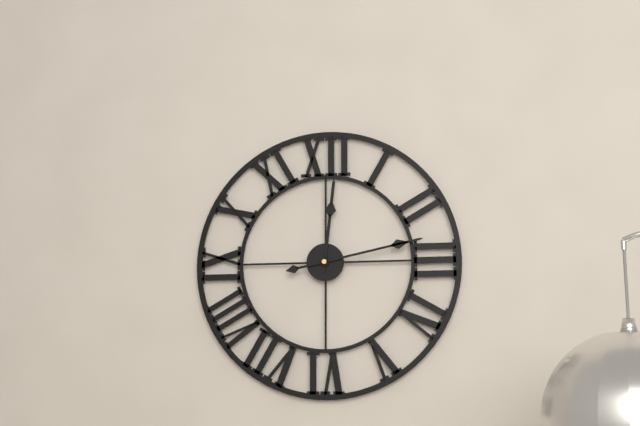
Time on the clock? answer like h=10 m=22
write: h=12 m=13
